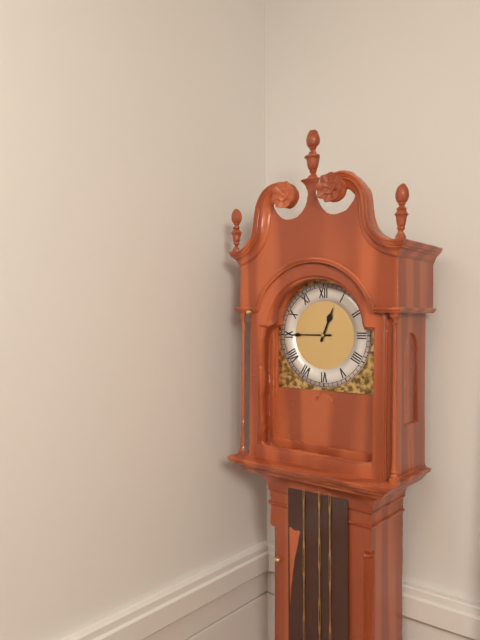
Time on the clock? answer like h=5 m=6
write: h=12 m=45
